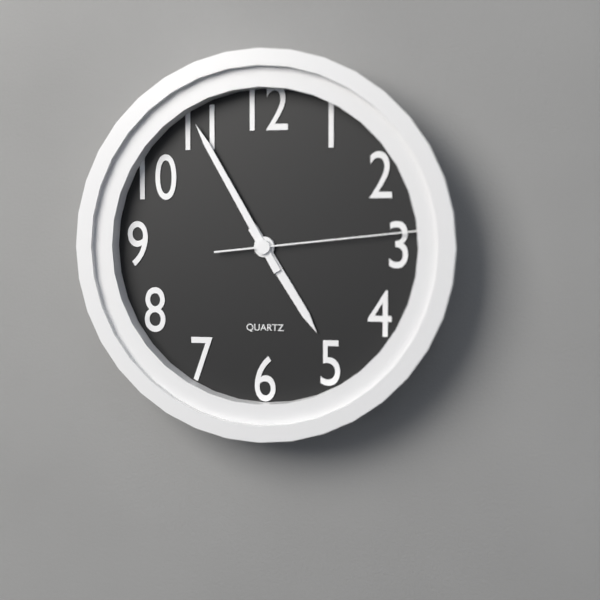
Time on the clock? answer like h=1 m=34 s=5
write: h=4 m=55 s=14
